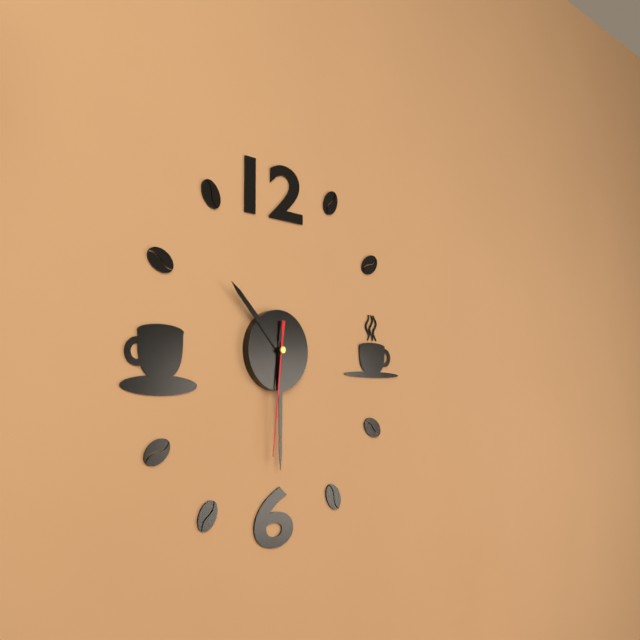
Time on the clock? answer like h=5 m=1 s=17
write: h=10 m=30 s=31
